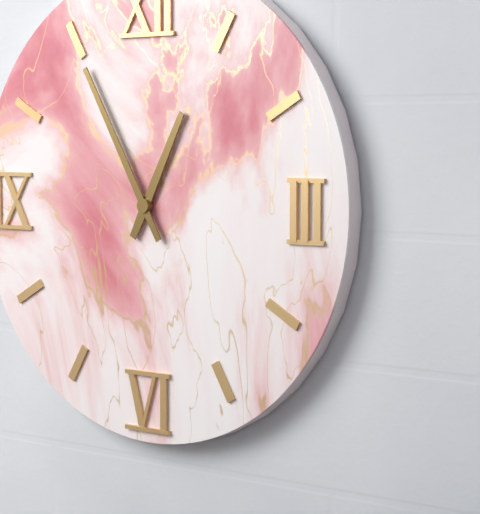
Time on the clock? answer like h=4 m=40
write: h=12 m=55
